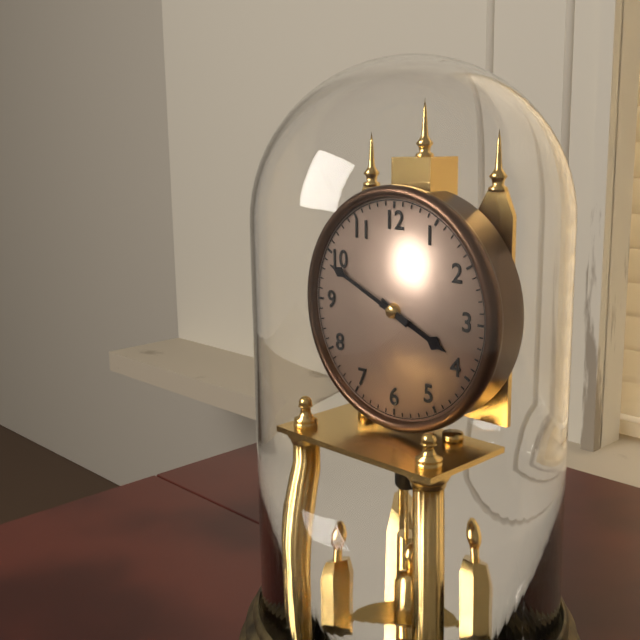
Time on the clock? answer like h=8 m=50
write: h=3 m=49
